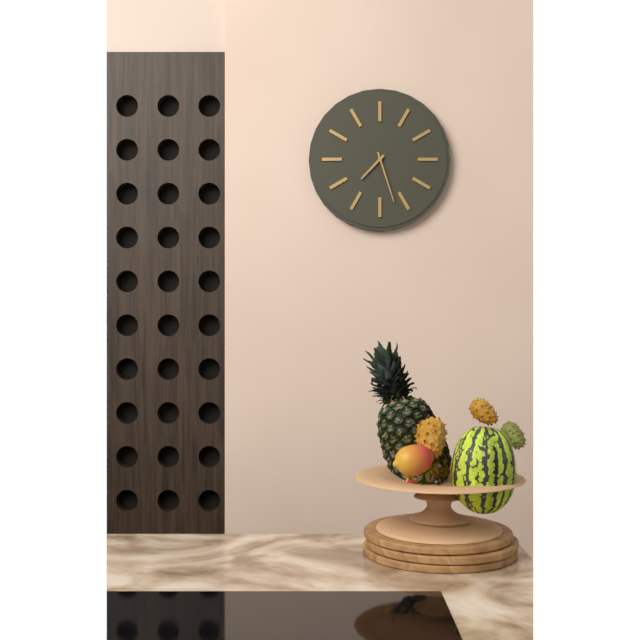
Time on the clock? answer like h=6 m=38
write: h=7 m=27
